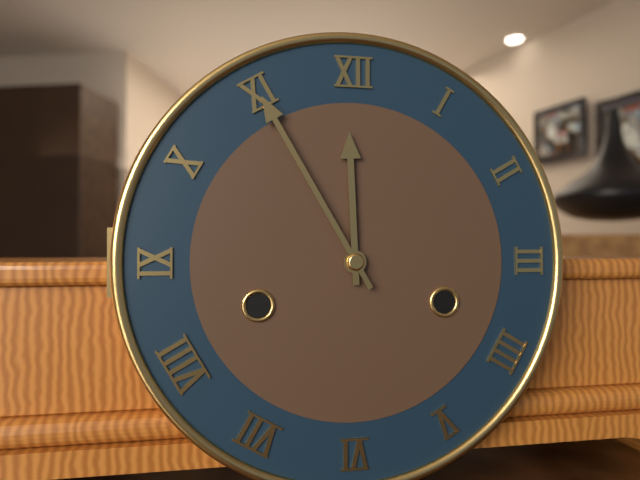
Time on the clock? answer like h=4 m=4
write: h=11 m=55
